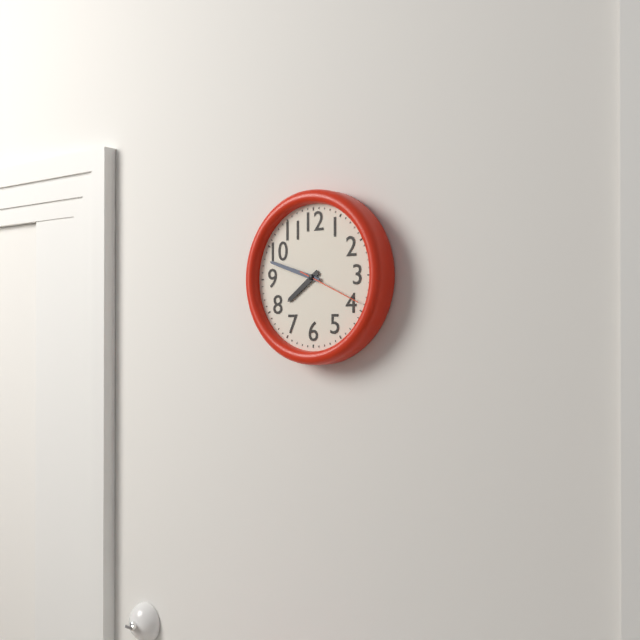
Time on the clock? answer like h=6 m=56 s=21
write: h=7 m=48 s=19
